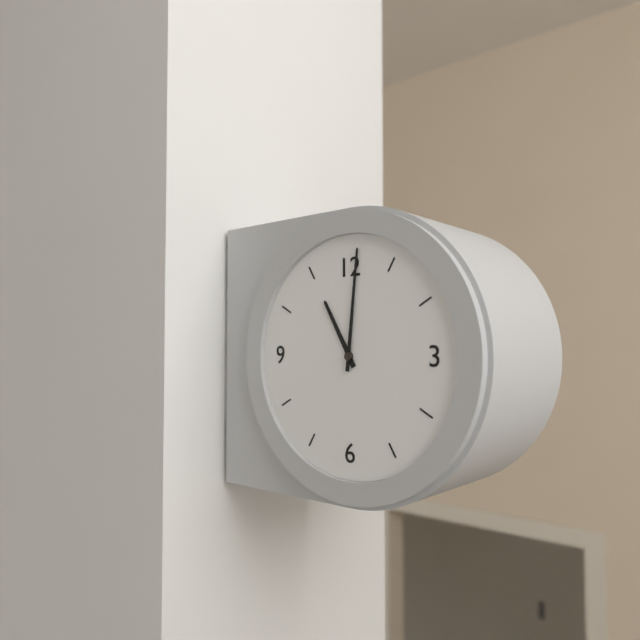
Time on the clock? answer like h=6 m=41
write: h=11 m=1
